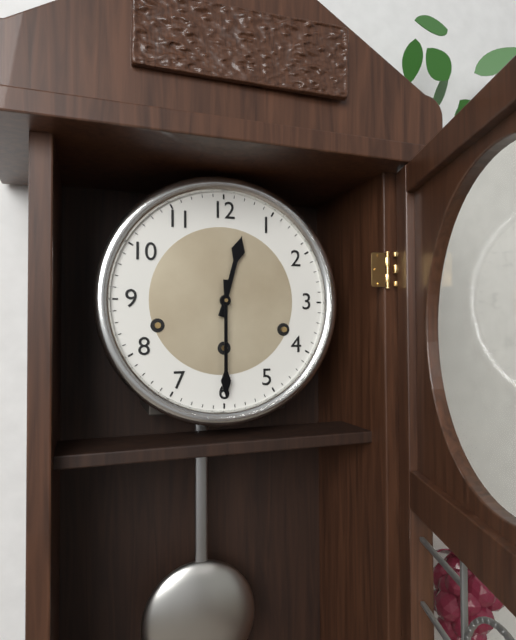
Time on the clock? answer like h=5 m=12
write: h=12 m=30
